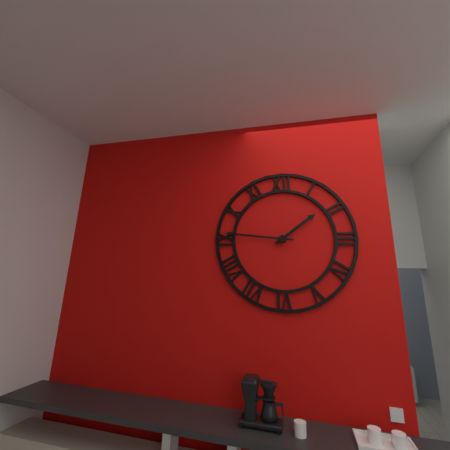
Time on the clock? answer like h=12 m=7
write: h=1 m=46
